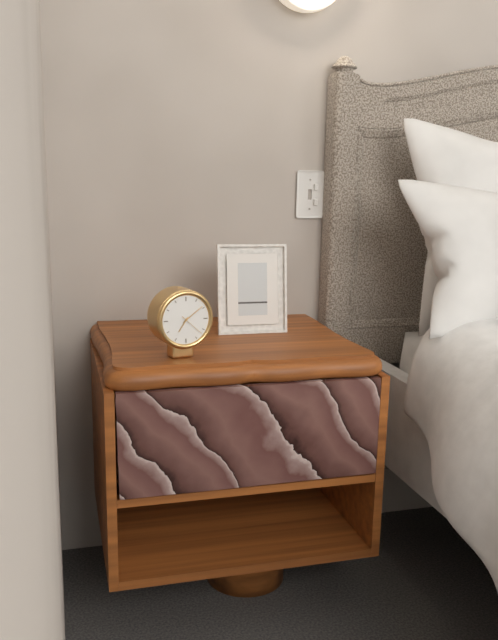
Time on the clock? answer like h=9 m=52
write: h=7 m=9
